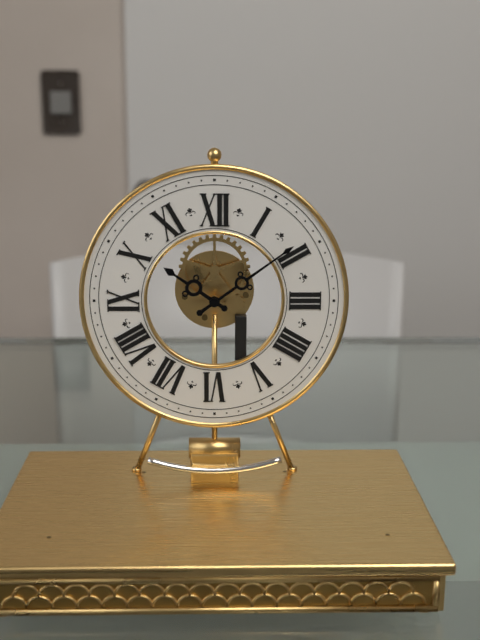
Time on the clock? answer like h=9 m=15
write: h=10 m=9
